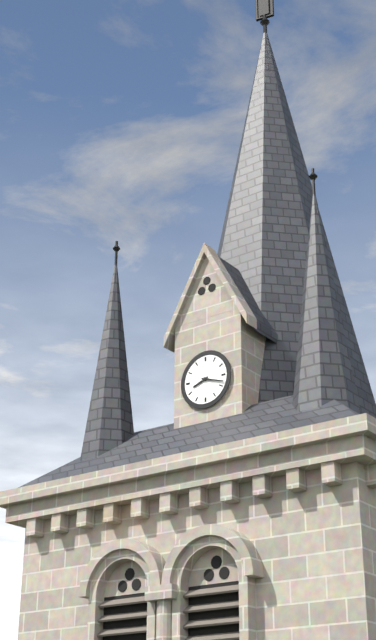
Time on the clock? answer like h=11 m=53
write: h=8 m=18
